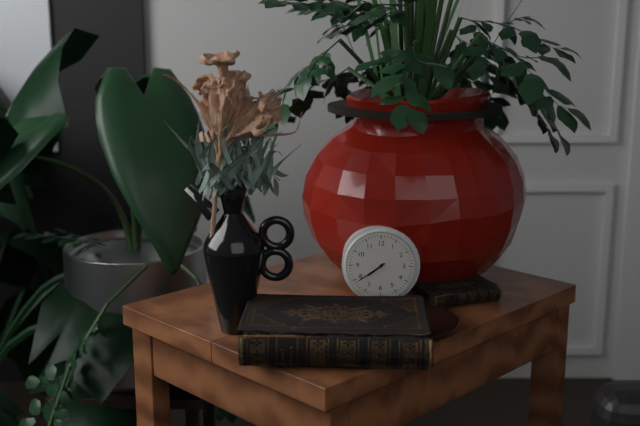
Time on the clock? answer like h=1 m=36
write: h=7 m=39
